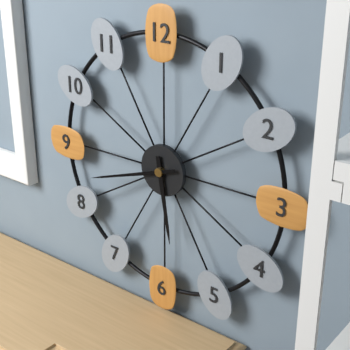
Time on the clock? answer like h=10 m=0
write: h=5 m=42
